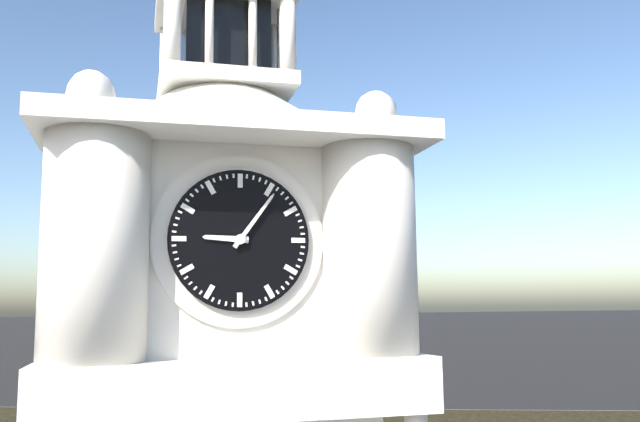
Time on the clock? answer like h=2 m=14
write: h=9 m=6
